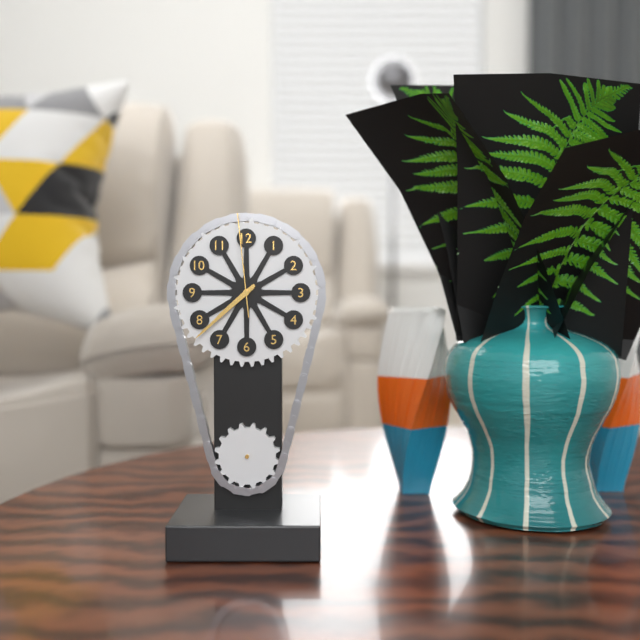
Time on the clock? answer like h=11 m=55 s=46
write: h=7 m=38 s=59
